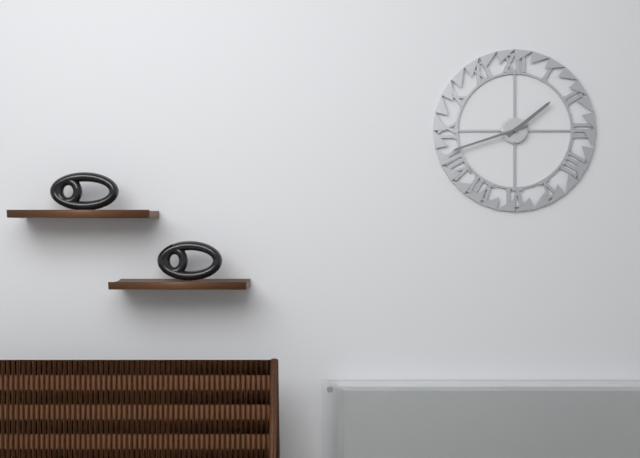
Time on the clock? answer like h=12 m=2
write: h=1 m=42
